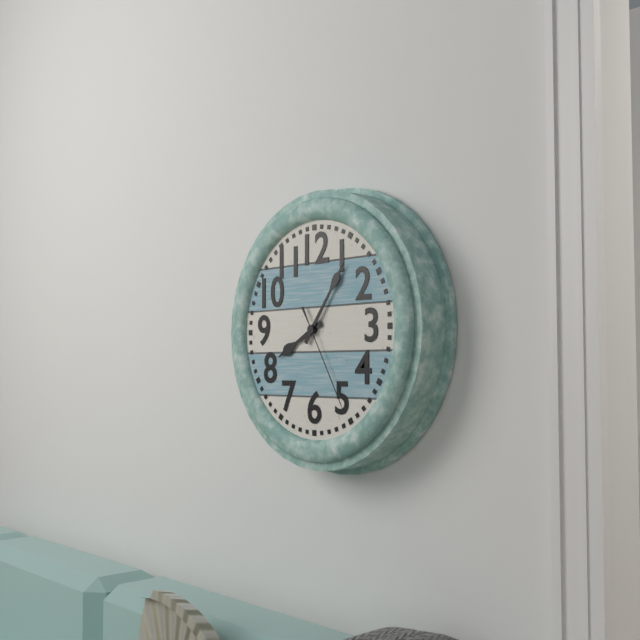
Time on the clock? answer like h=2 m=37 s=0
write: h=8 m=6 s=25
